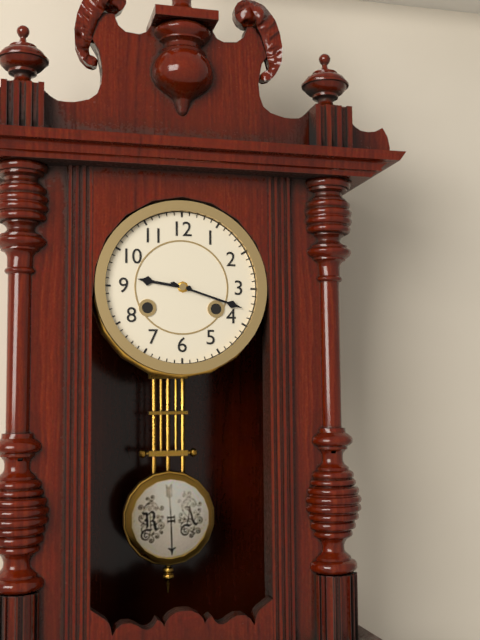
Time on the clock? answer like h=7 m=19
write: h=9 m=18
